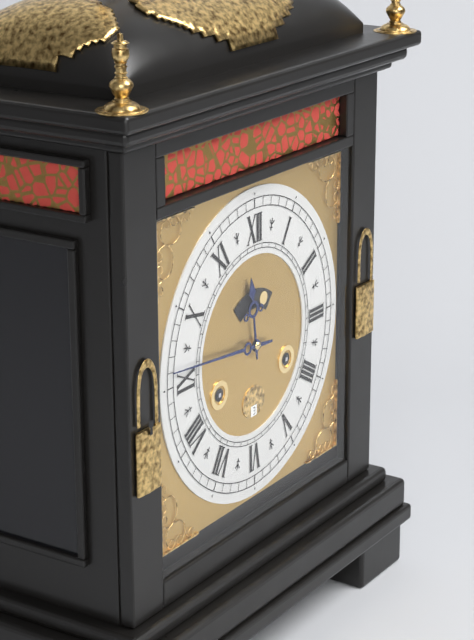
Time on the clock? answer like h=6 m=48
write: h=11 m=46
